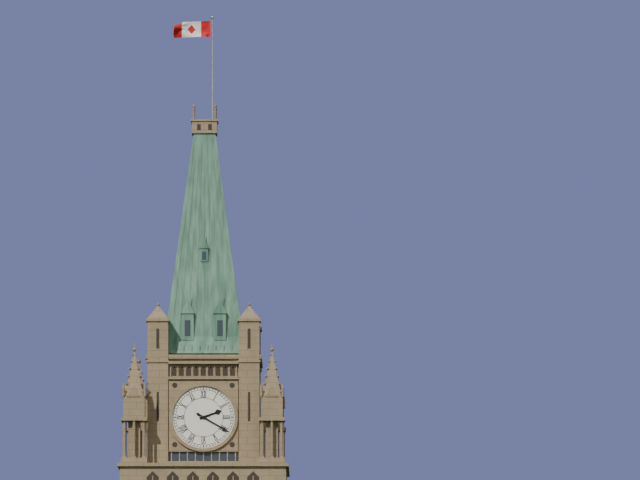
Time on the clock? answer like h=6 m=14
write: h=2 m=20
